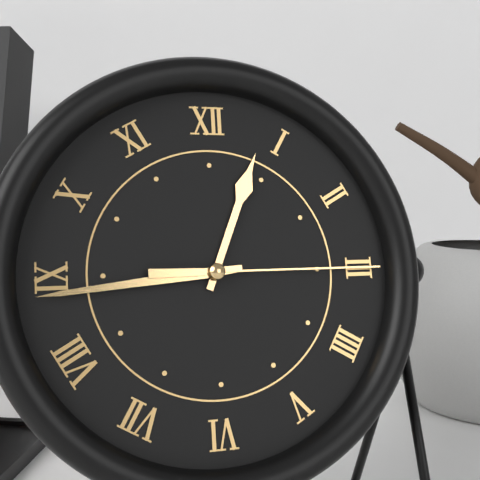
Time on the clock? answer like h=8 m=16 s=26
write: h=12 m=44 s=15
